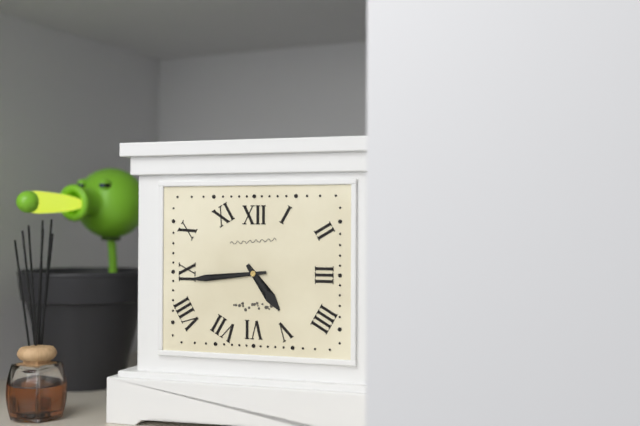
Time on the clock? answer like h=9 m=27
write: h=4 m=44
